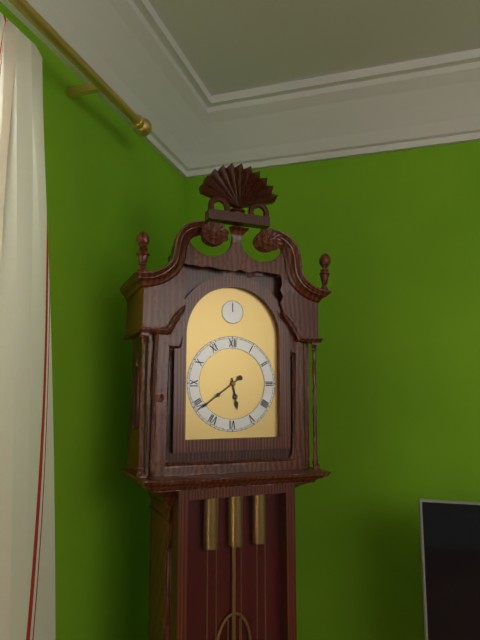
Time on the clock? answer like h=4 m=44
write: h=5 m=39
